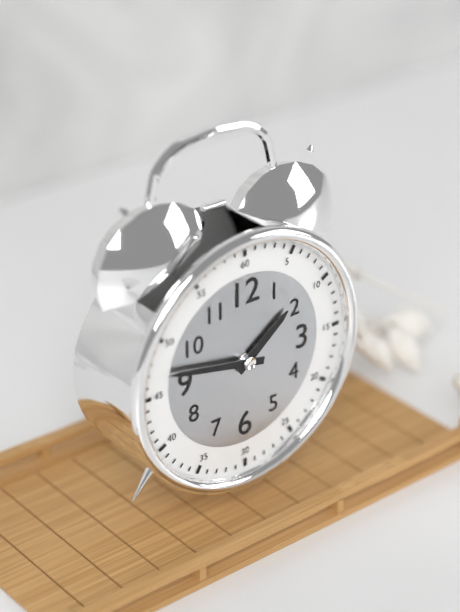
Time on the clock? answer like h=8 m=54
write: h=1 m=47
